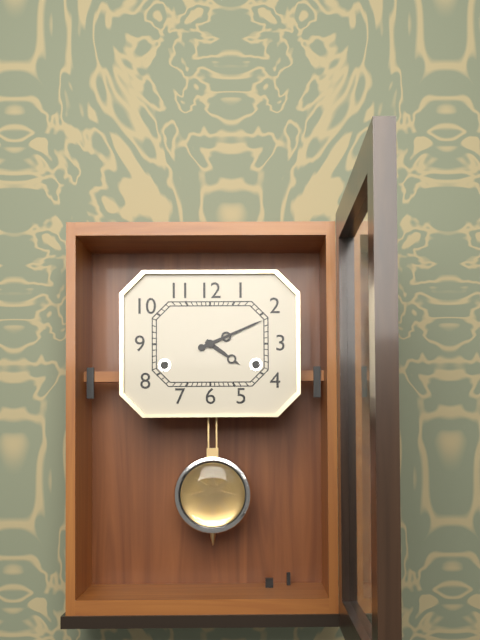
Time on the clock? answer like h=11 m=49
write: h=4 m=11
